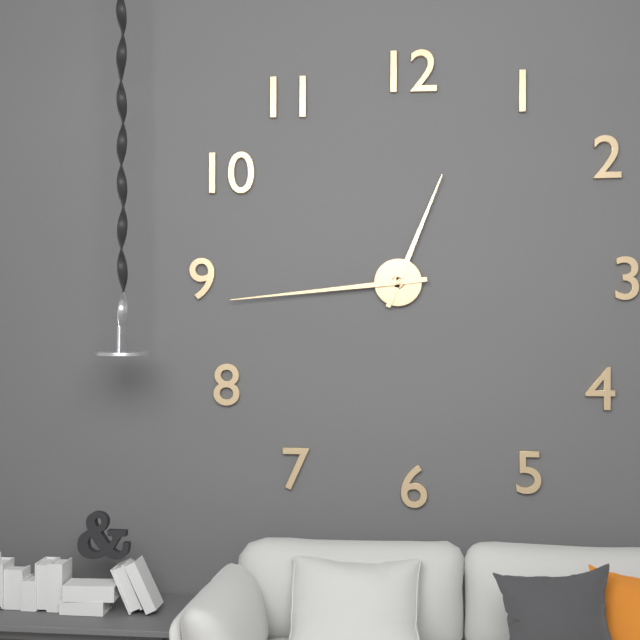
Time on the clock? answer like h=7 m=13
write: h=12 m=44
